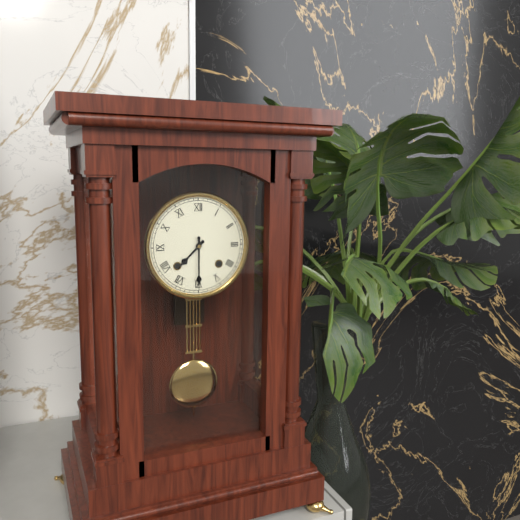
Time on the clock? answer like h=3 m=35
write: h=7 m=30
